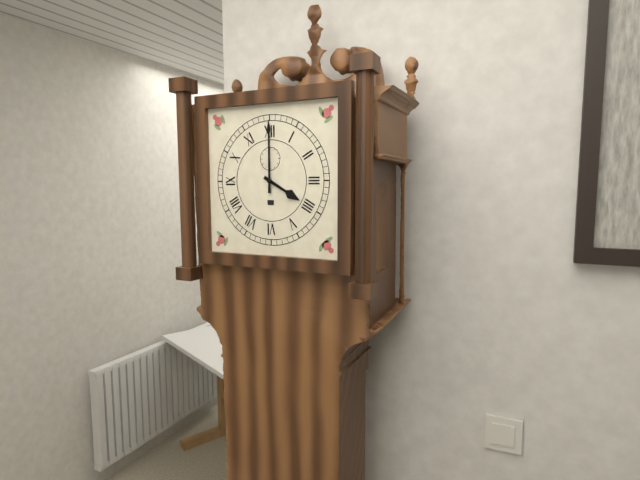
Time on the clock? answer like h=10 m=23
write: h=4 m=0
